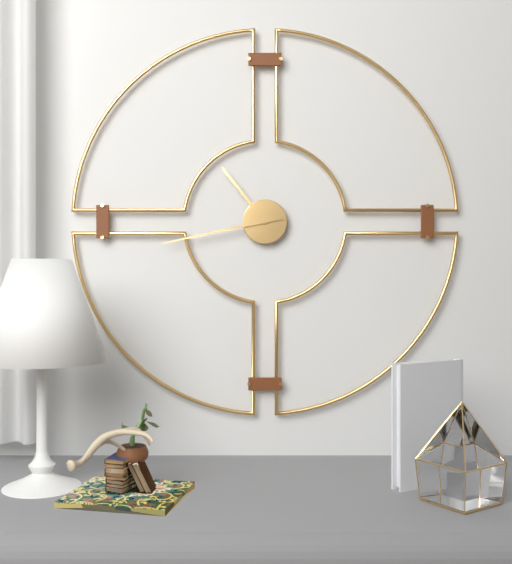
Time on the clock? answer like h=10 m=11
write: h=10 m=43
